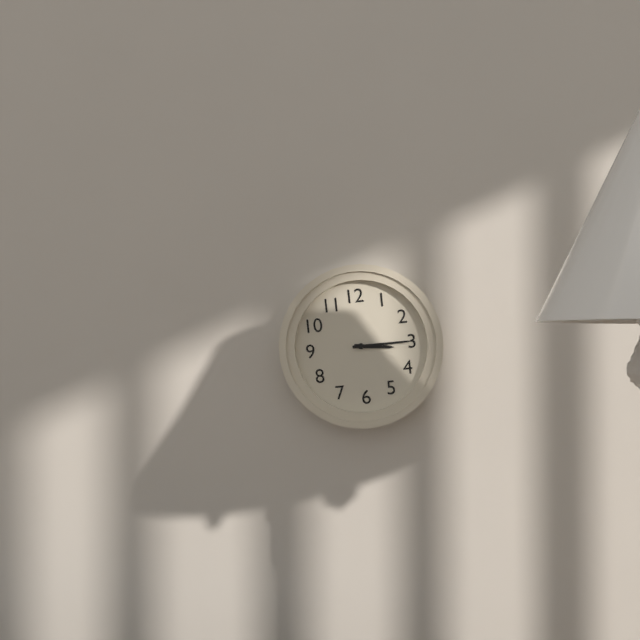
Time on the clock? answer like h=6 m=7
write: h=3 m=15
